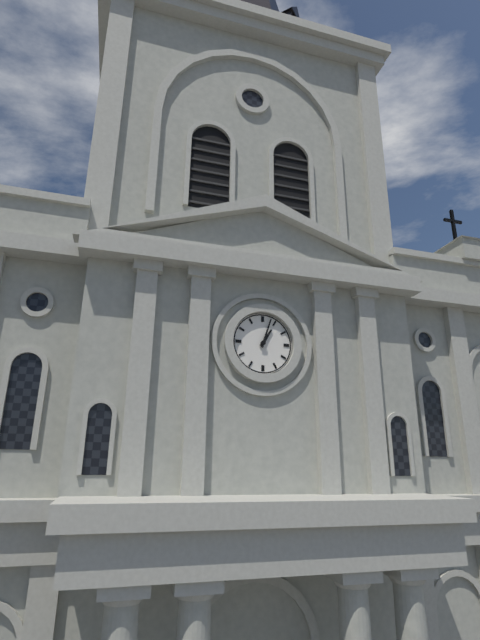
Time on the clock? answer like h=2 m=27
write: h=1 m=3
